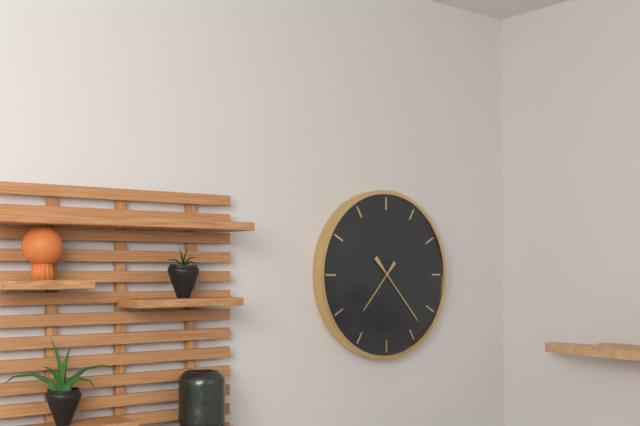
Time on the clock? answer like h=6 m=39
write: h=7 m=23
